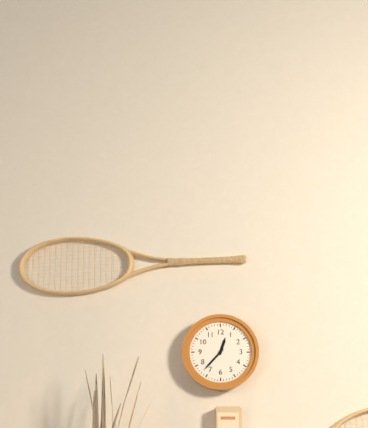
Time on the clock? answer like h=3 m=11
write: h=12 m=37
